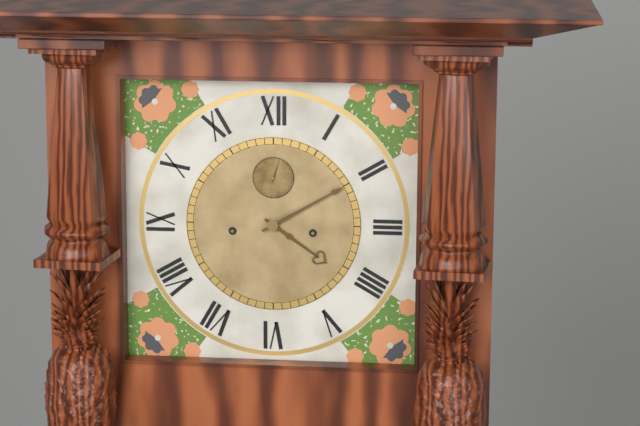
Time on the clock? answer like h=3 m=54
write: h=4 m=10
